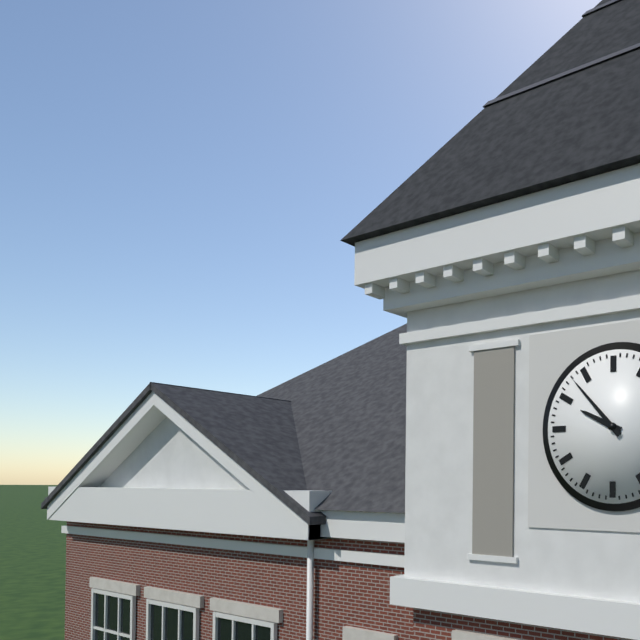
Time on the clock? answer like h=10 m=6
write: h=9 m=53
